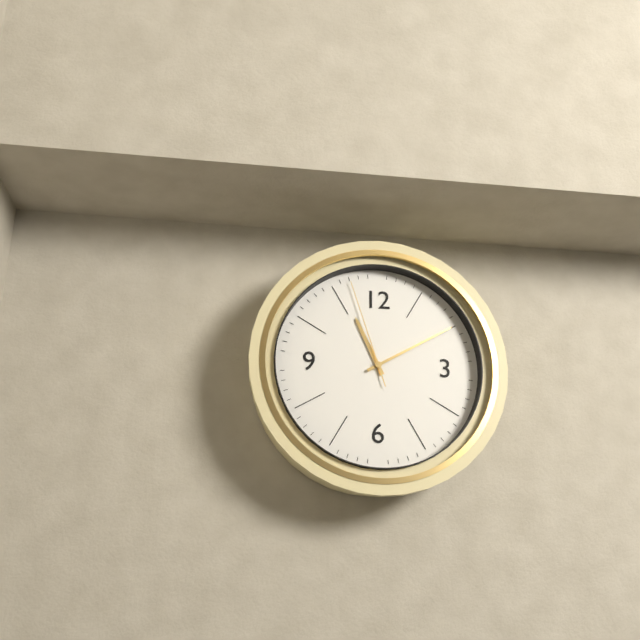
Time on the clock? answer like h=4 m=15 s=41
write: h=11 m=10 s=57
